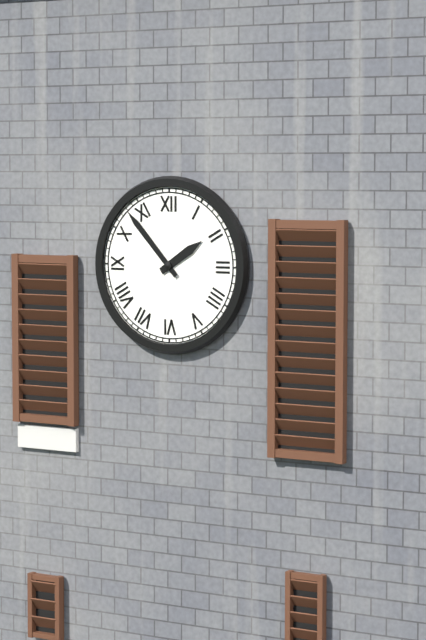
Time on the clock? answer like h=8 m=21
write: h=1 m=53
